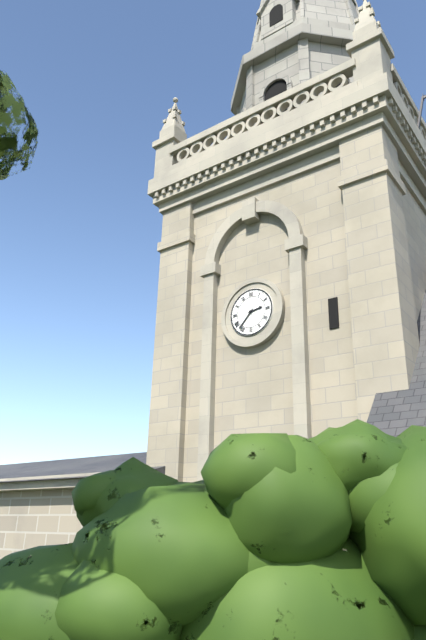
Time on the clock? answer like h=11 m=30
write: h=2 m=37
